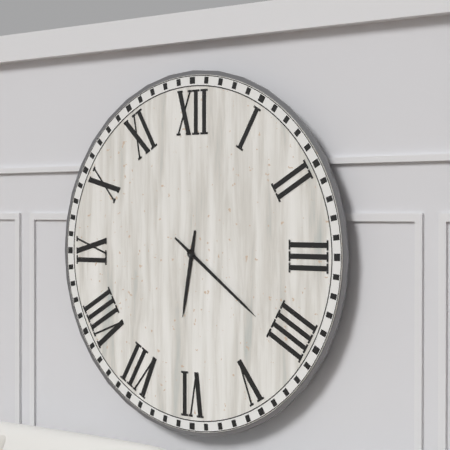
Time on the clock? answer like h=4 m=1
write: h=6 m=21
